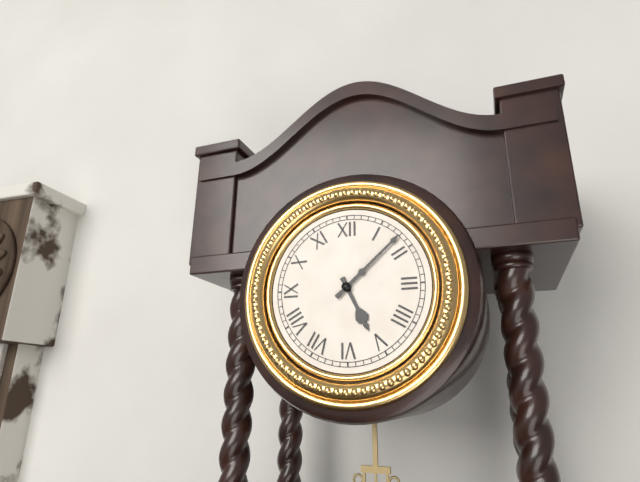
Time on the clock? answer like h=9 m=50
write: h=5 m=8
